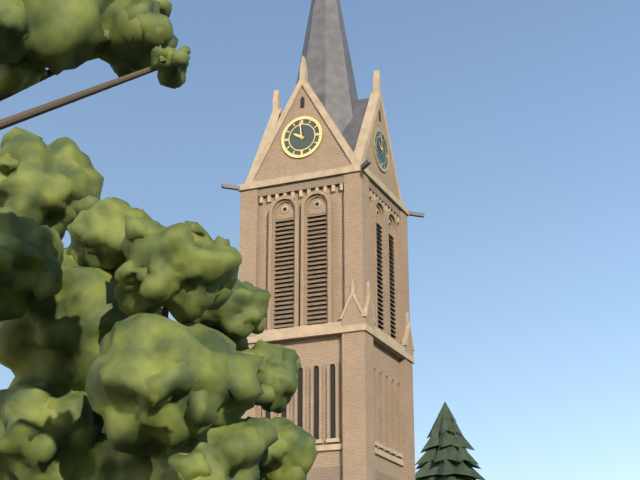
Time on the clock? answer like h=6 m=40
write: h=9 m=59
